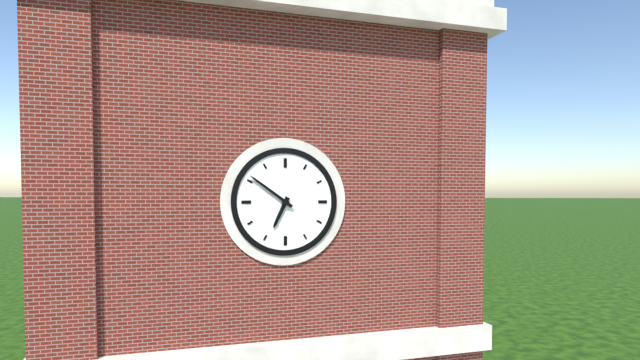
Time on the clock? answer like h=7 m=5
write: h=6 m=51
